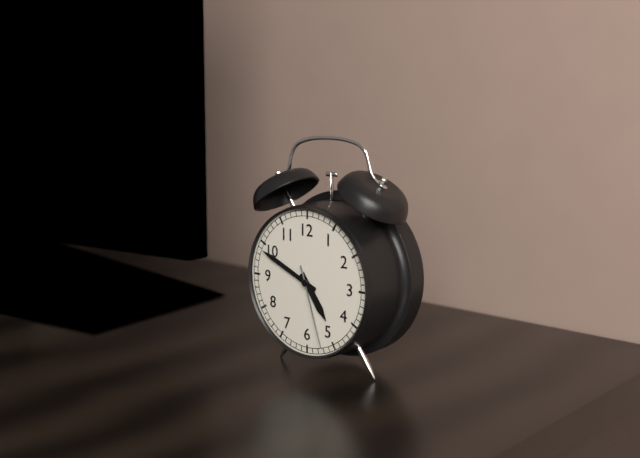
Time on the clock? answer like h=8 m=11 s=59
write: h=4 m=49 s=27
